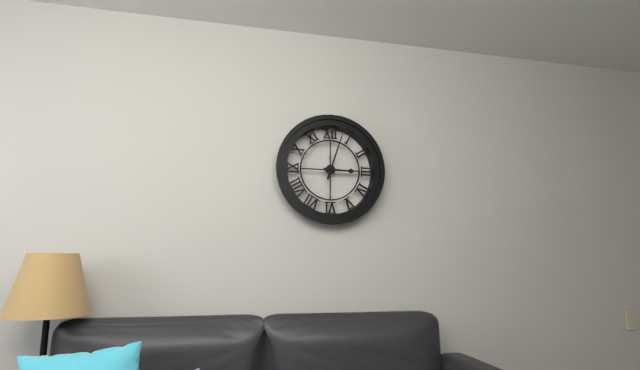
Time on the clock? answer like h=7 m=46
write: h=3 m=3
